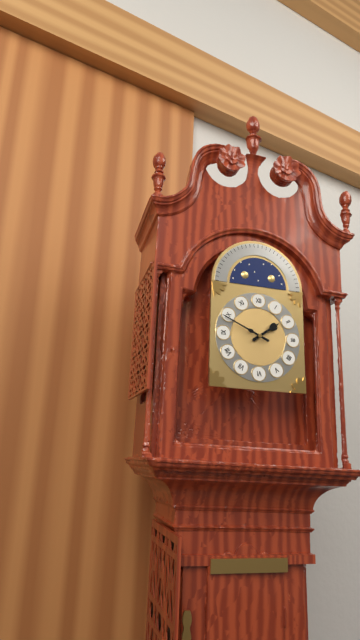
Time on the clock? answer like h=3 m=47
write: h=1 m=49
